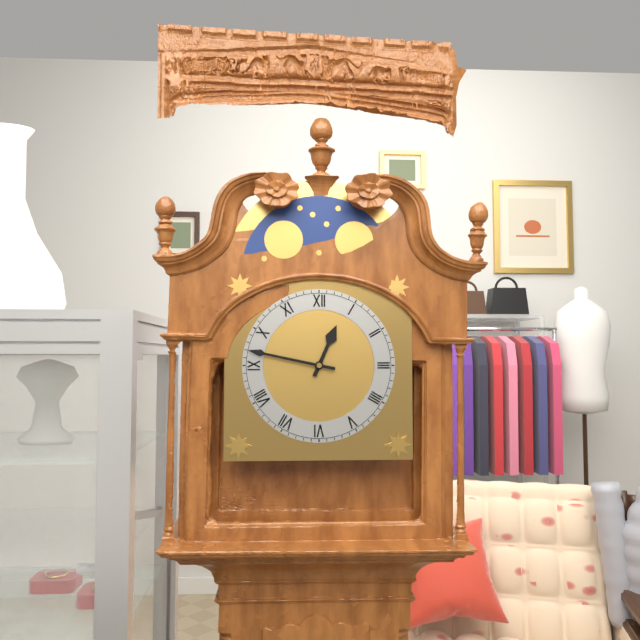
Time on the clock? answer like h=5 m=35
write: h=12 m=47
